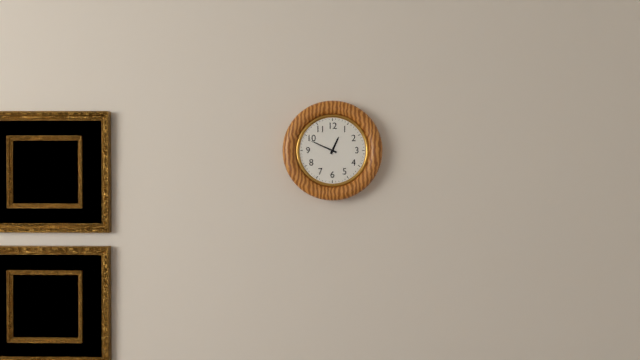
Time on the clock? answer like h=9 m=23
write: h=12 m=49
